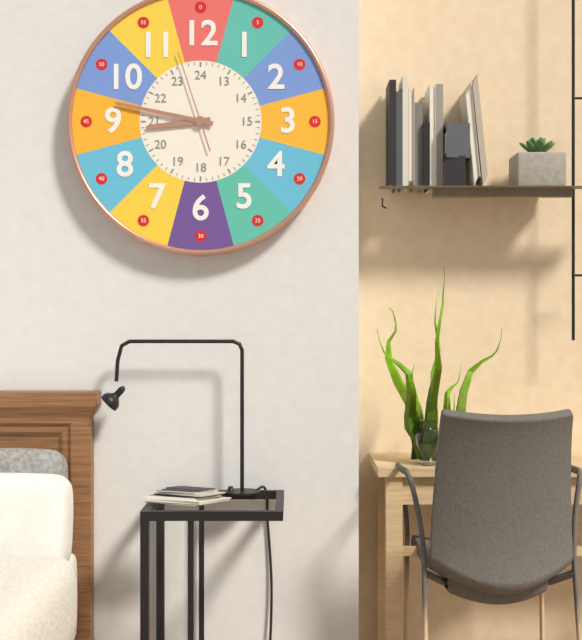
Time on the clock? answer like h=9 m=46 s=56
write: h=8 m=47 s=57
